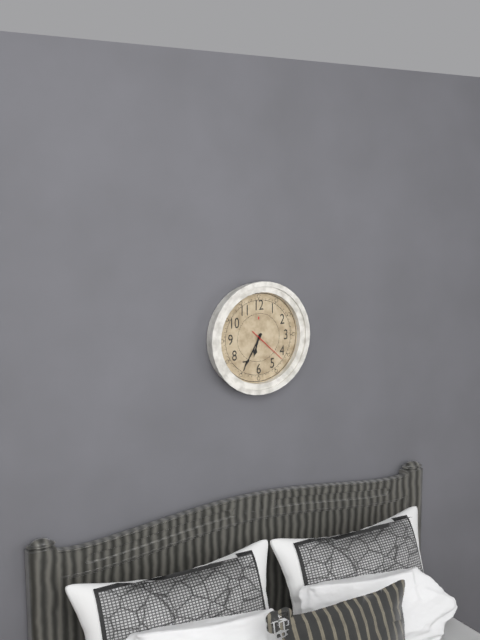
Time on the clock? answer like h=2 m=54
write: h=6 m=35
